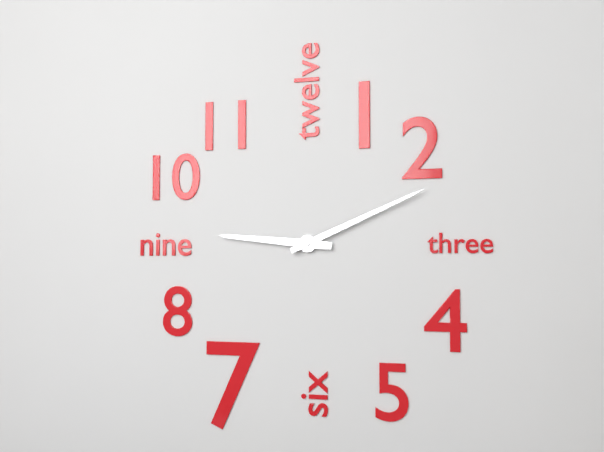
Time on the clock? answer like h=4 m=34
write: h=9 m=11
